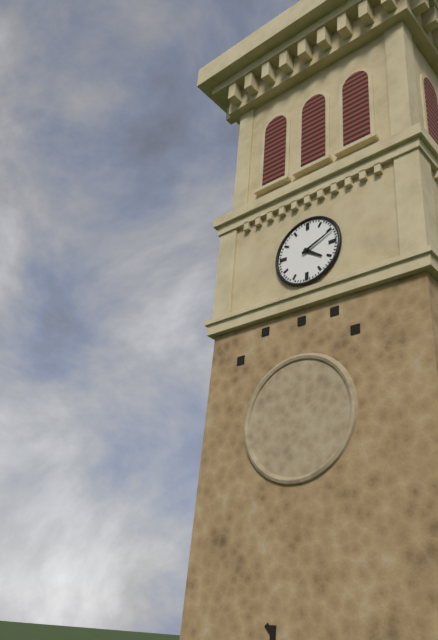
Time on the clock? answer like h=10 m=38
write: h=4 m=11
